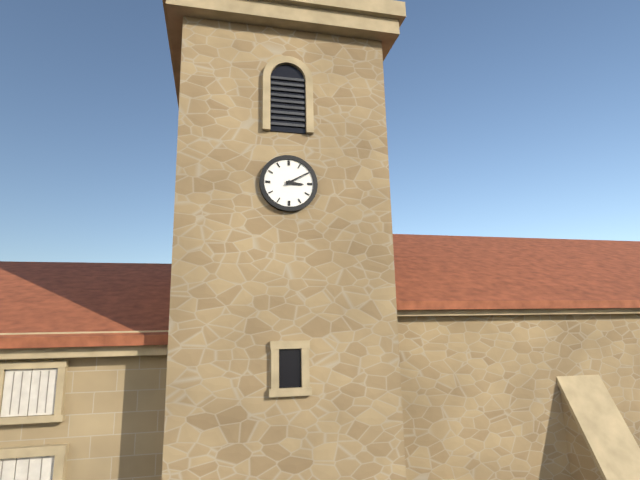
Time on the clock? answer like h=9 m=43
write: h=3 m=10
